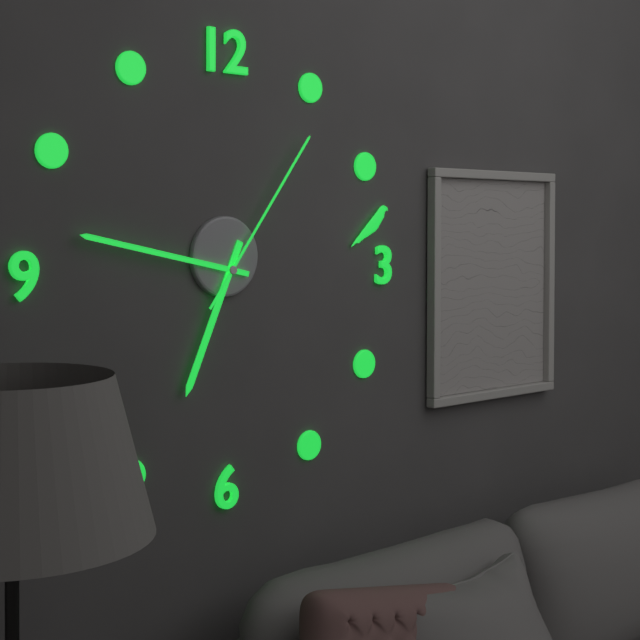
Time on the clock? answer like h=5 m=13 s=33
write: h=6 m=47 s=6
